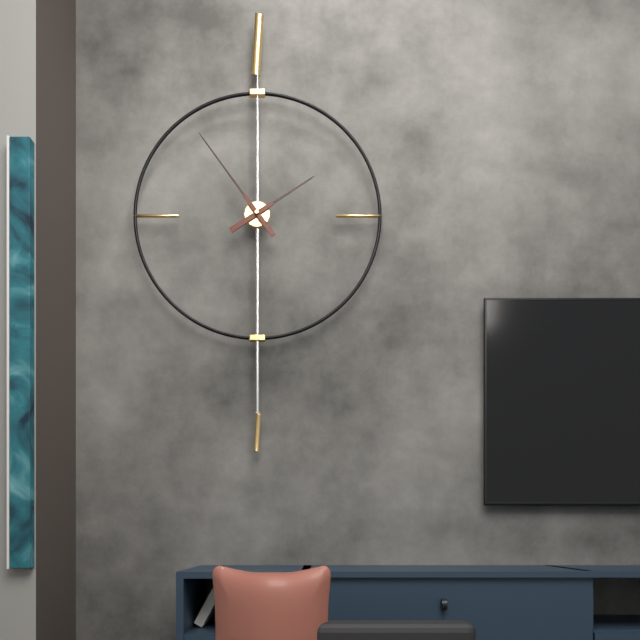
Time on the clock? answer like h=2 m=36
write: h=1 m=54
